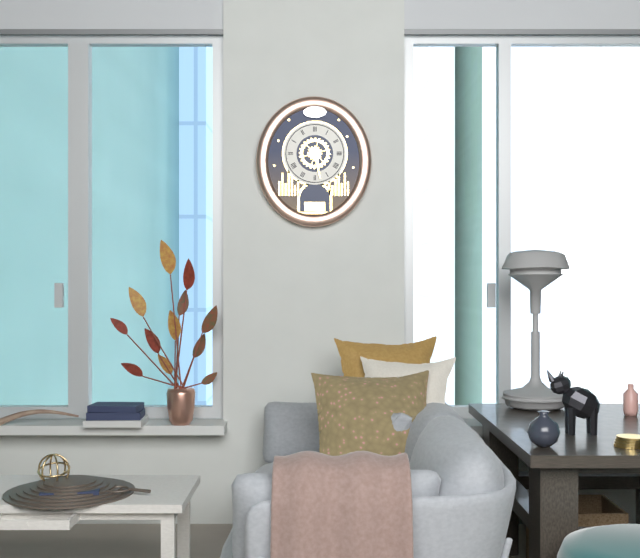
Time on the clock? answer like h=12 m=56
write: h=5 m=28
